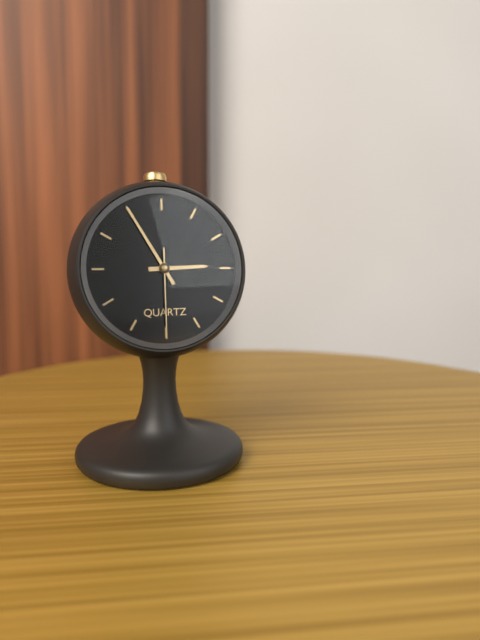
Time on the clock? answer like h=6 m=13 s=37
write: h=2 m=55 s=30
